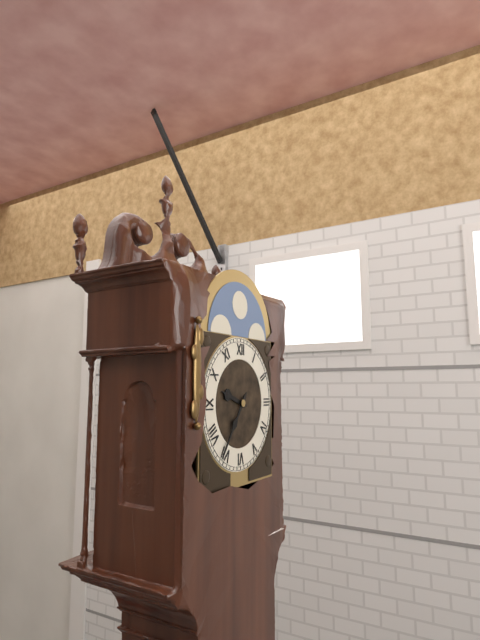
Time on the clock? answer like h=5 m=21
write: h=9 m=36
